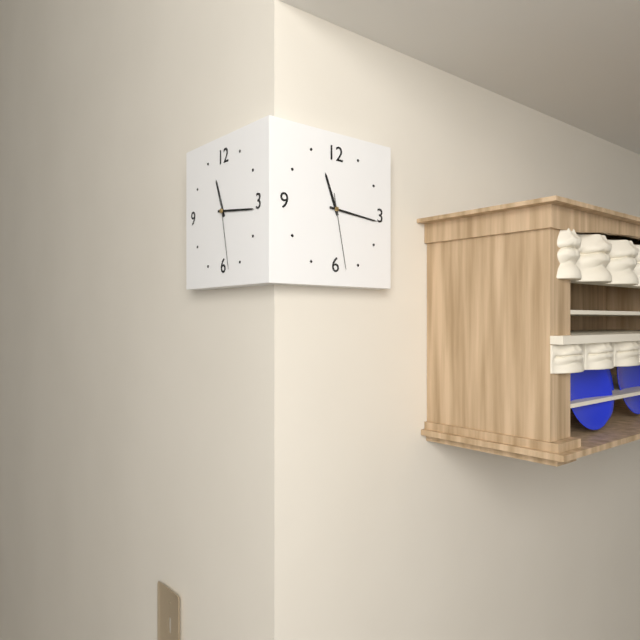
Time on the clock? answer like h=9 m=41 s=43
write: h=11 m=16 s=28
